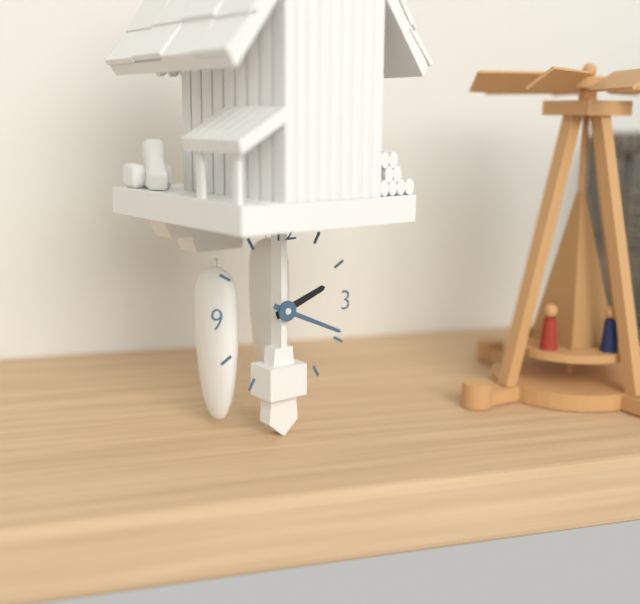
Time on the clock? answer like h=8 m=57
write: h=2 m=19
